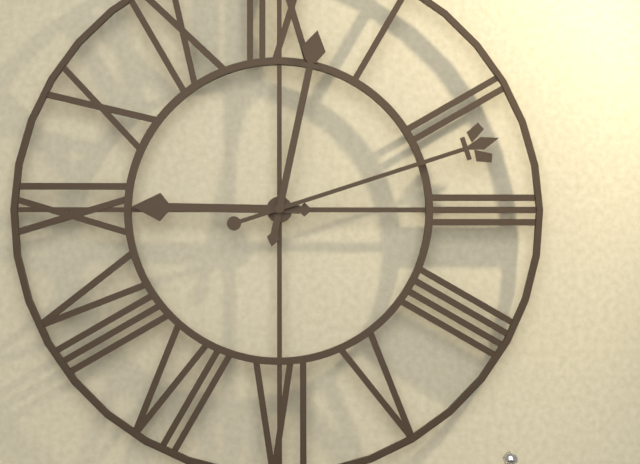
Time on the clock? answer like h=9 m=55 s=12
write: h=9 m=2 s=12
